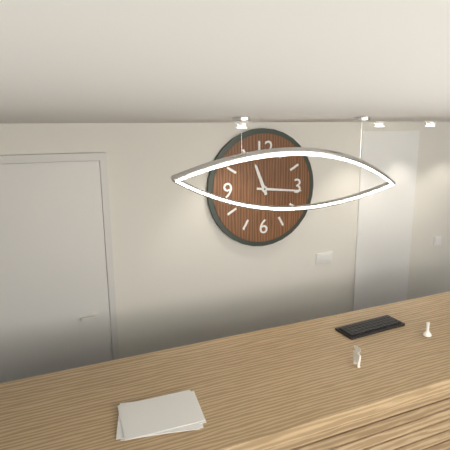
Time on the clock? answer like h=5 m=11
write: h=11 m=16
